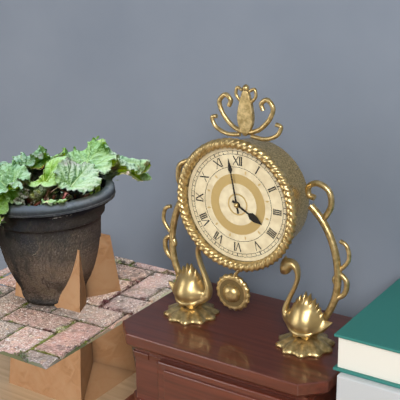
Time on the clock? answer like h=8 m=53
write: h=3 m=58
